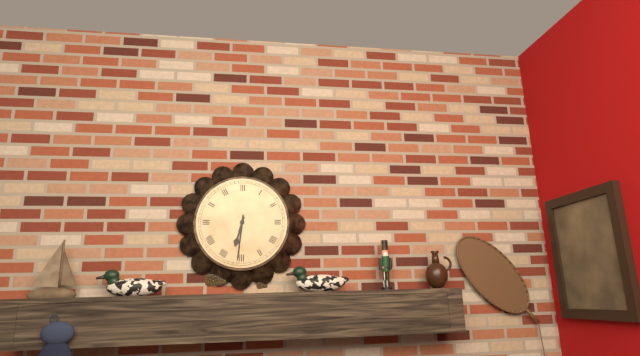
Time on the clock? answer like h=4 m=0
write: h=6 m=31
